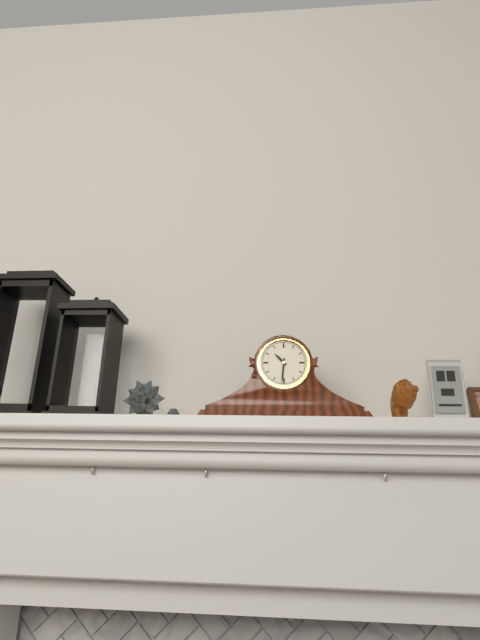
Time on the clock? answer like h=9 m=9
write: h=10 m=31
